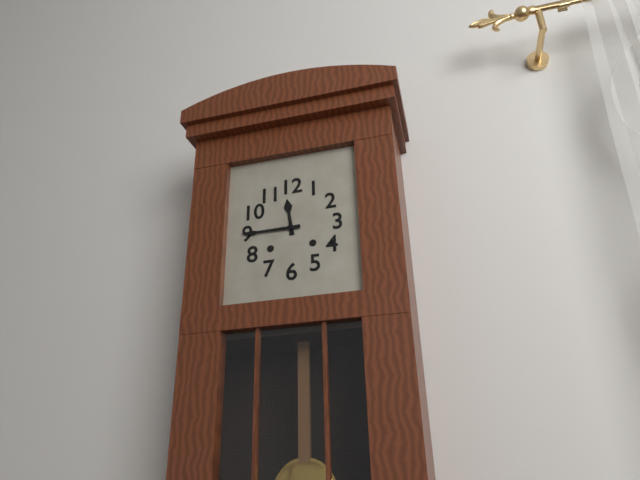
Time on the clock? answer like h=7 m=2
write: h=11 m=45
